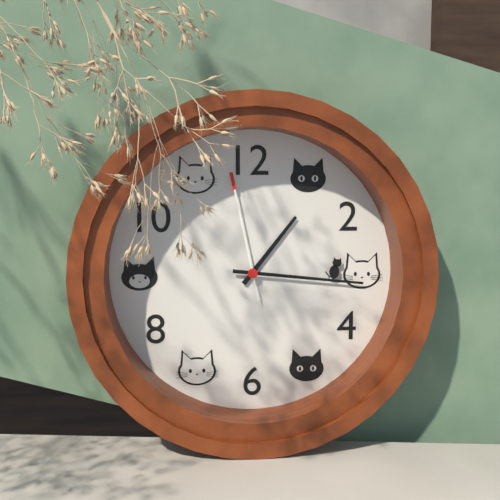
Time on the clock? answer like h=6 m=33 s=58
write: h=1 m=16 s=58
